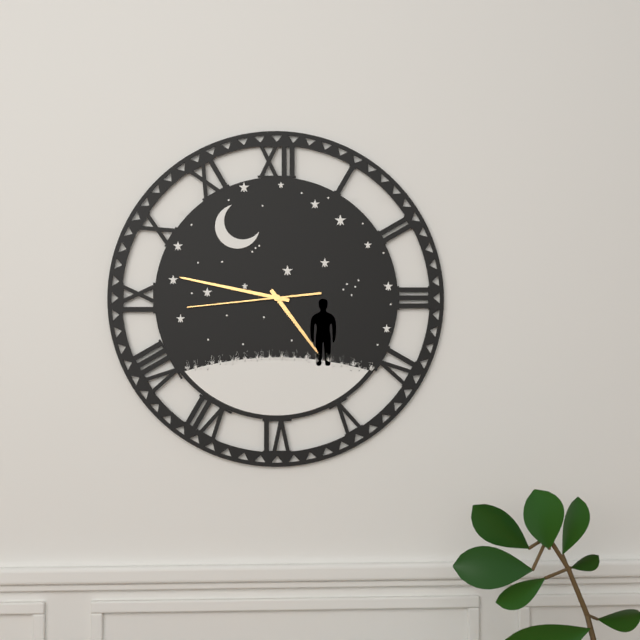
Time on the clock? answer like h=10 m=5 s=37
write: h=4 m=47 s=44
